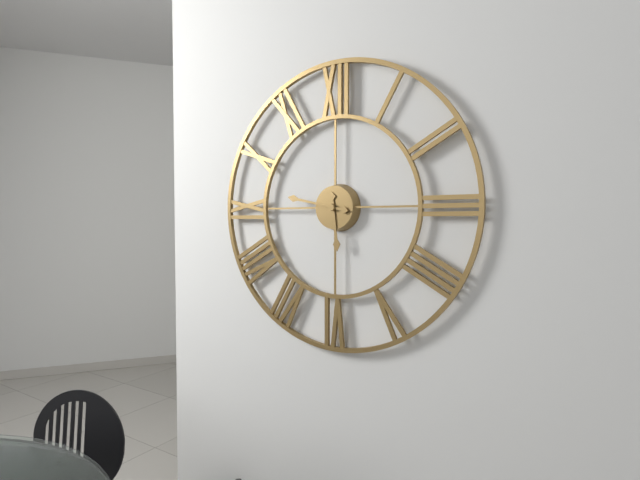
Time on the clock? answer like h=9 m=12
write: h=5 m=47
